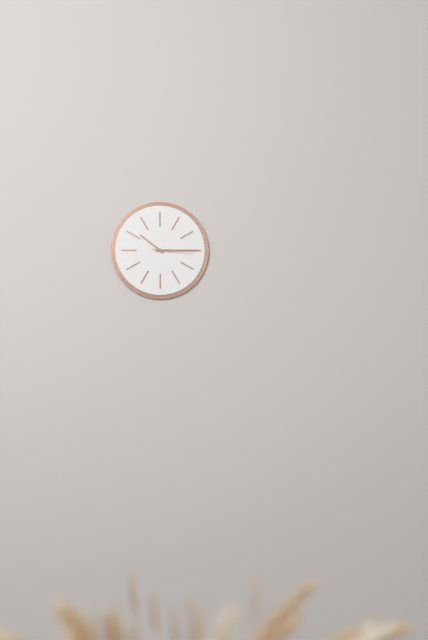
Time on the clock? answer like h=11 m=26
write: h=10 m=15
